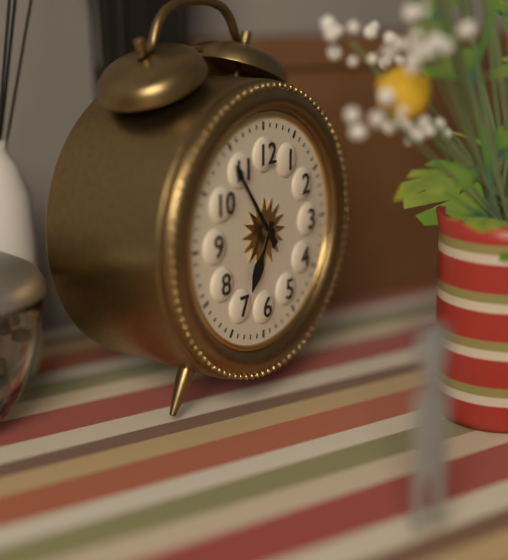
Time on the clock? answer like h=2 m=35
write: h=6 m=54
